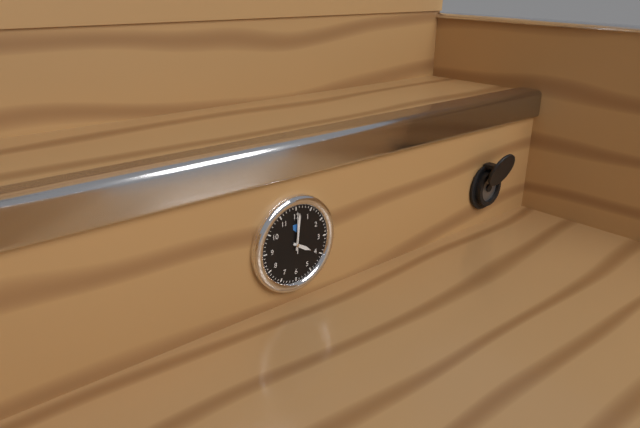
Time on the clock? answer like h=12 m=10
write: h=4 m=1
